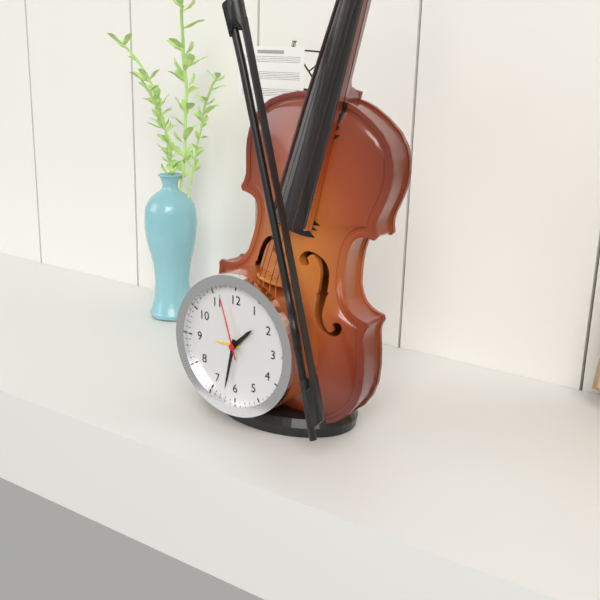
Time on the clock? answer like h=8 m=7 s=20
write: h=1 m=32 s=57
